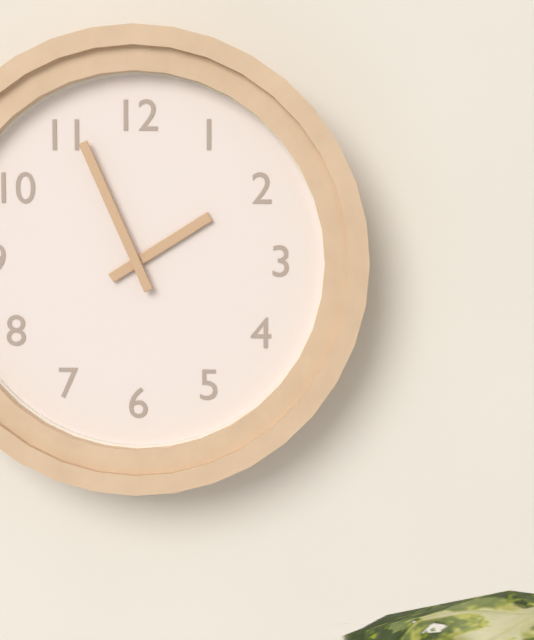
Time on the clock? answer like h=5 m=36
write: h=1 m=56
